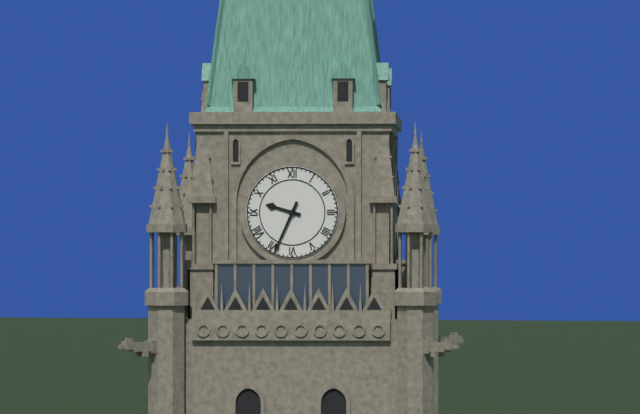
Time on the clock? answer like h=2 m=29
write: h=9 m=34
